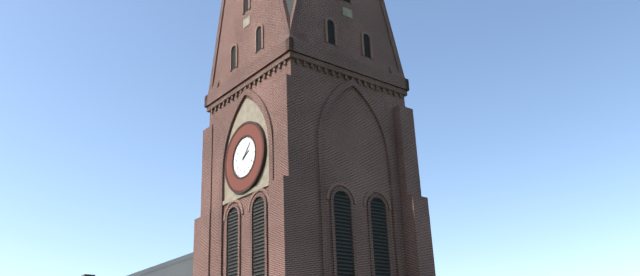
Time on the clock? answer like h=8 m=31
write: h=2 m=7
